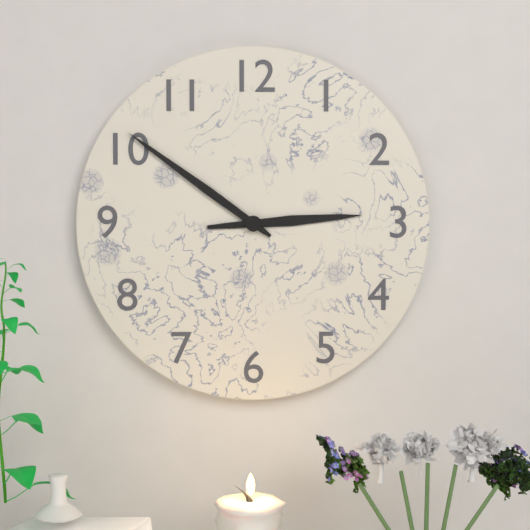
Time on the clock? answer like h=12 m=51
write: h=2 m=51
